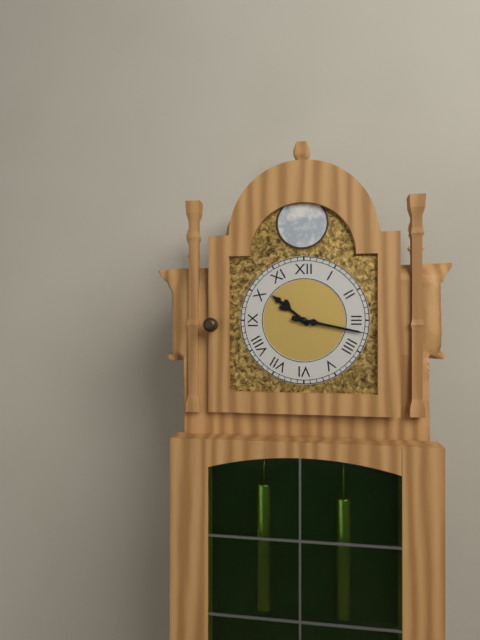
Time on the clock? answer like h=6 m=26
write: h=10 m=17
